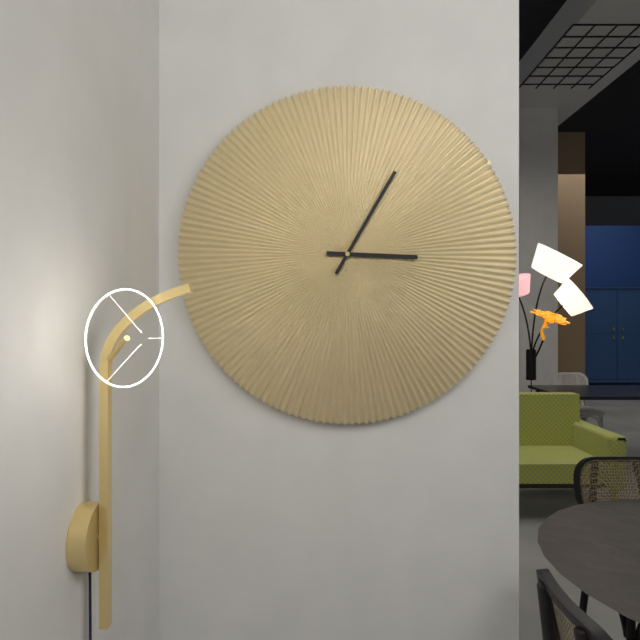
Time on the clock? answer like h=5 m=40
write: h=3 m=5
